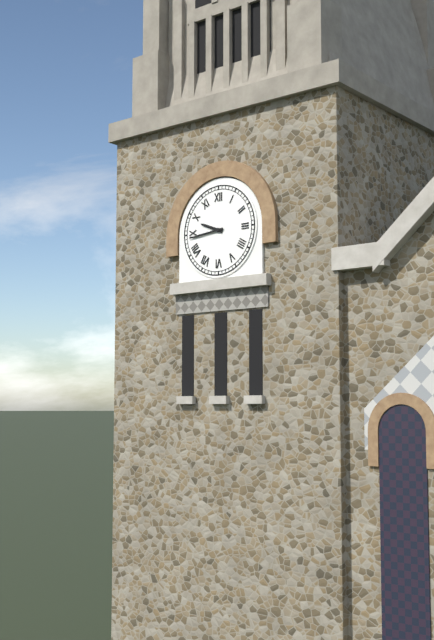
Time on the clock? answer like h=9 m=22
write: h=9 m=44
